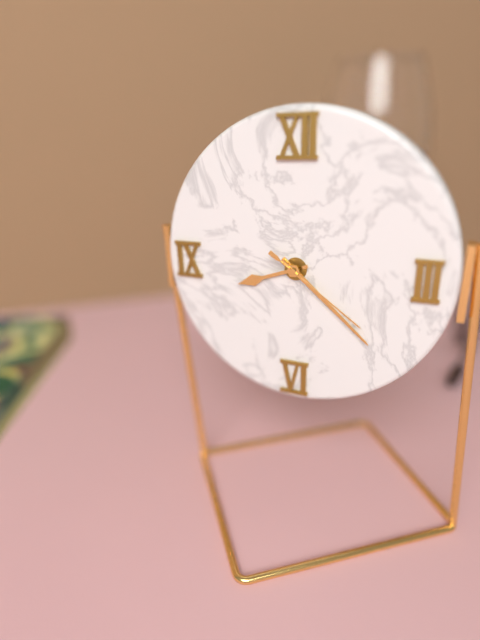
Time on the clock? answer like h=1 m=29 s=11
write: h=8 m=22 s=21
